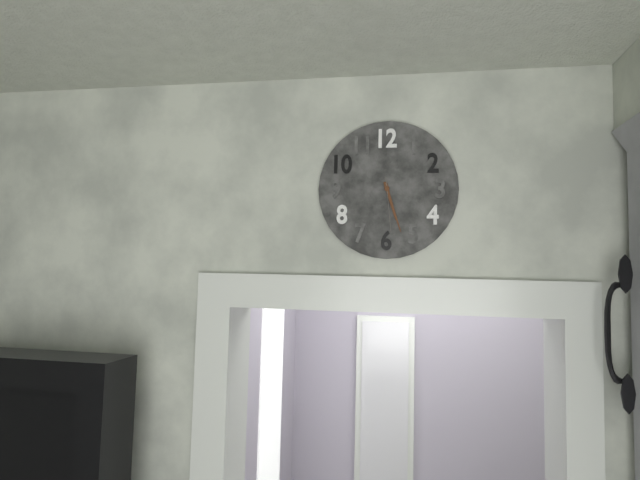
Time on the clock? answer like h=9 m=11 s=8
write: h=5 m=27 s=29
